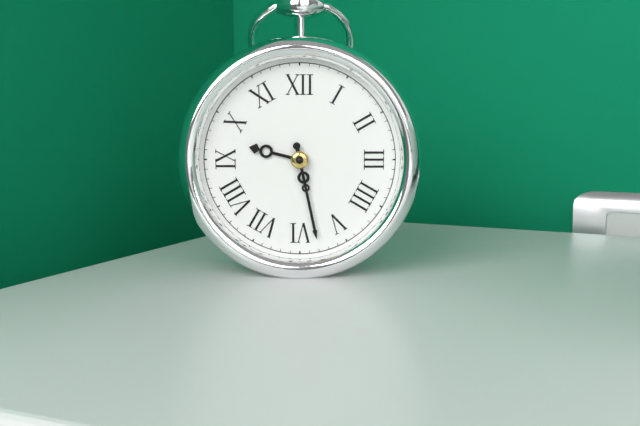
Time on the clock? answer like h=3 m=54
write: h=9 m=28
